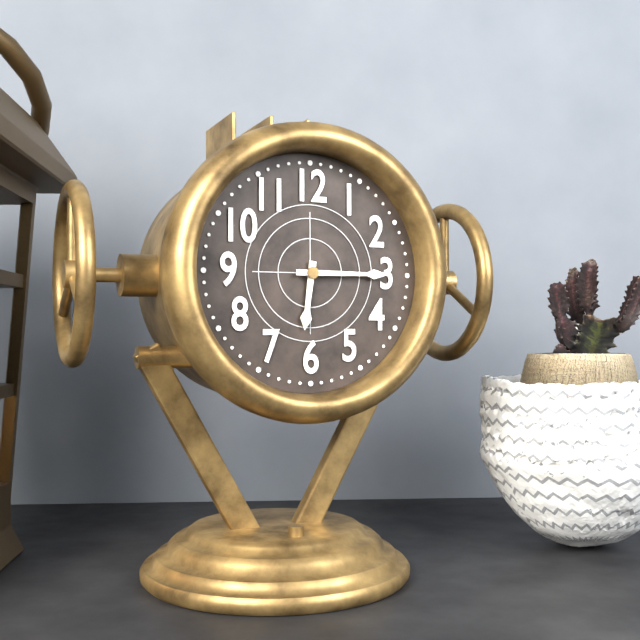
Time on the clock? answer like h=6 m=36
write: h=6 m=15
